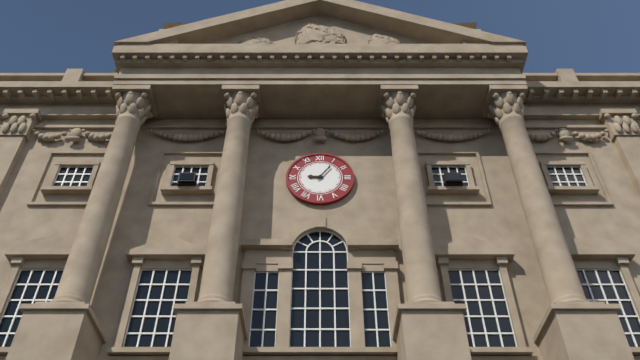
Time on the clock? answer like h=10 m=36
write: h=9 m=6
